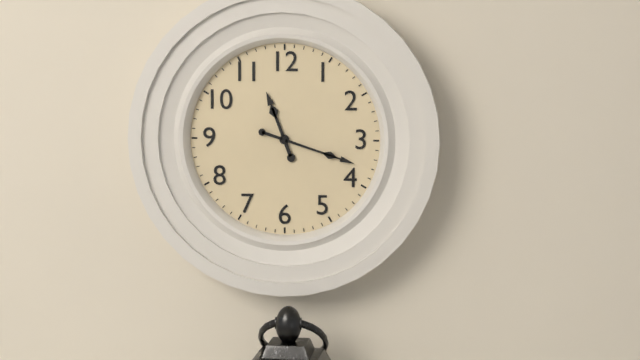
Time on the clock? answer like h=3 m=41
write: h=11 m=18
